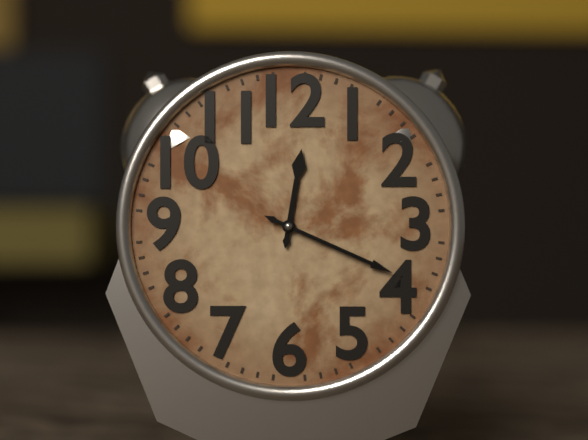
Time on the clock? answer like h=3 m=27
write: h=12 m=19
